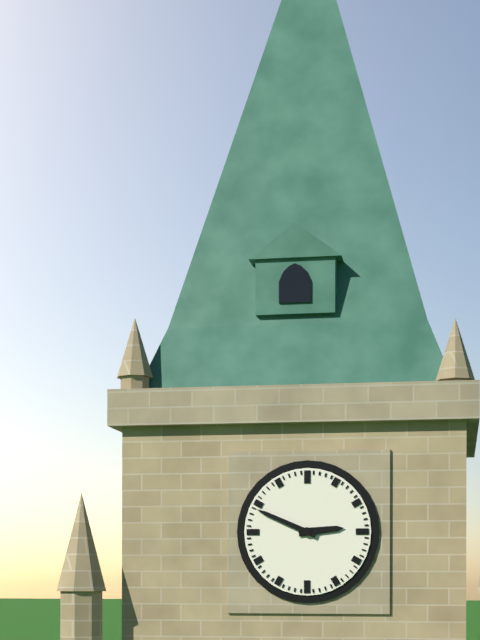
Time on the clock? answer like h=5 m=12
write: h=2 m=49
